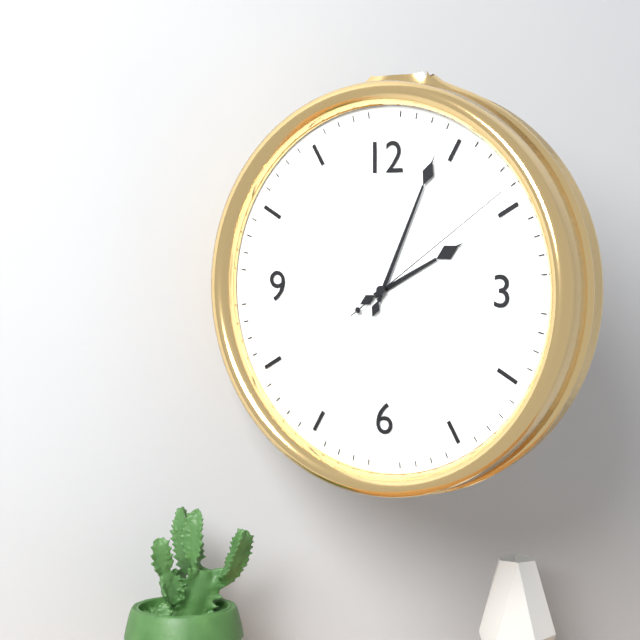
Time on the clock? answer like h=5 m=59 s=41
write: h=2 m=4 s=9
